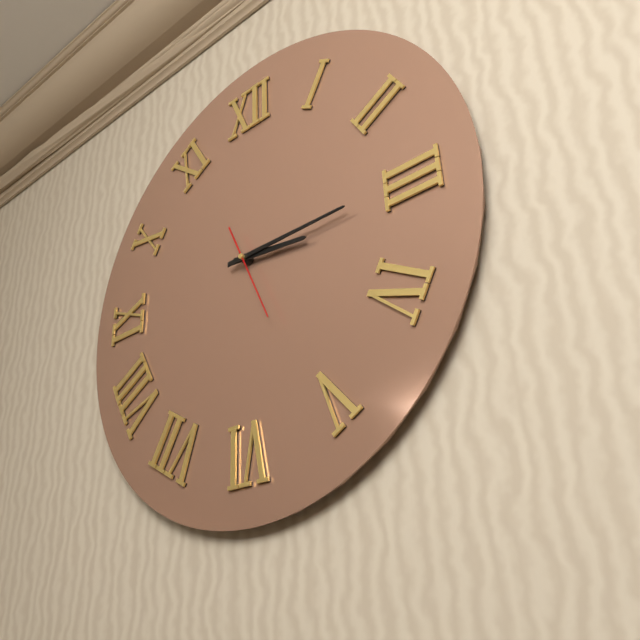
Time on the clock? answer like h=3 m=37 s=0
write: h=3 m=15 s=26
